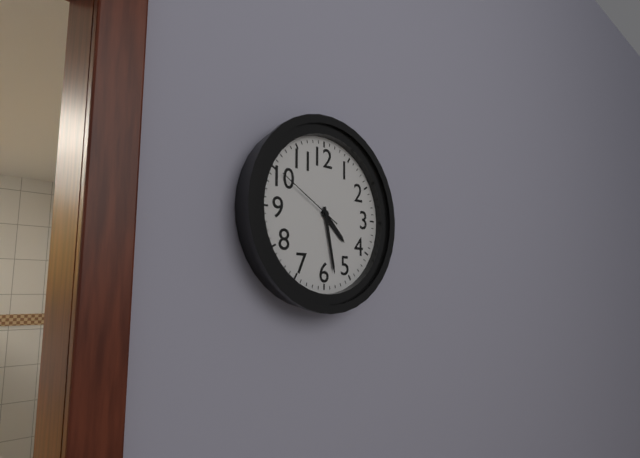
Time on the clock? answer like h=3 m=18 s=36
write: h=4 m=28 s=50
